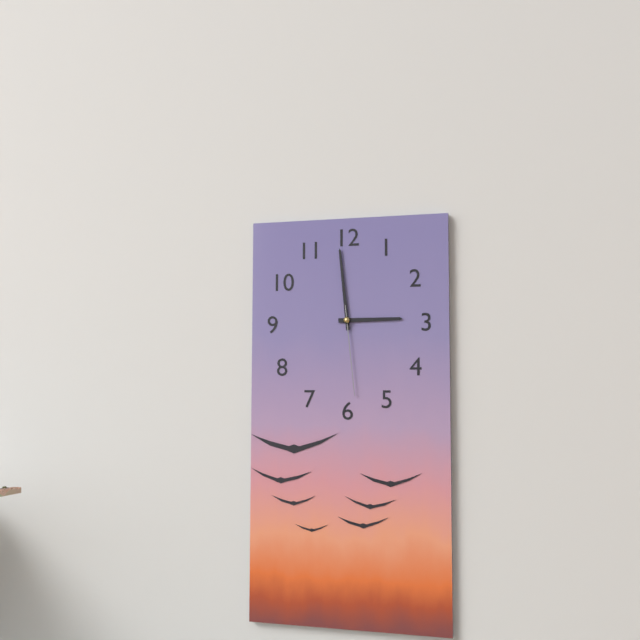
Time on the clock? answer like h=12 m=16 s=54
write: h=2 m=59 s=29
